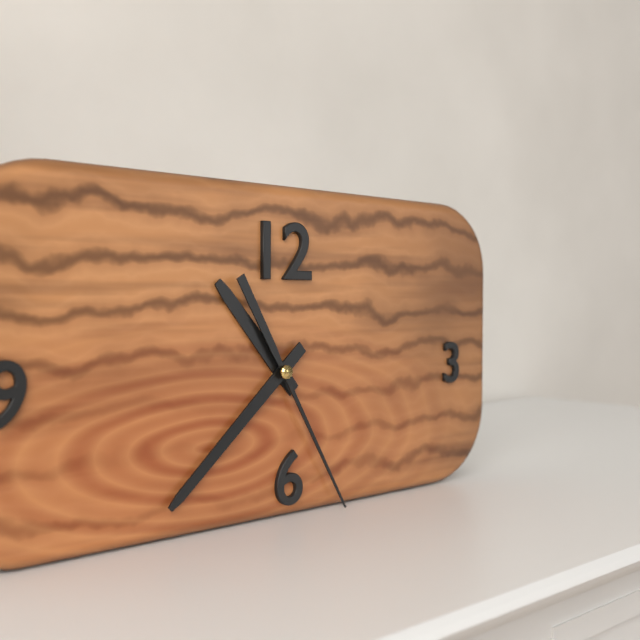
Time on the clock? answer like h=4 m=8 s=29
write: h=10 m=38 s=25
